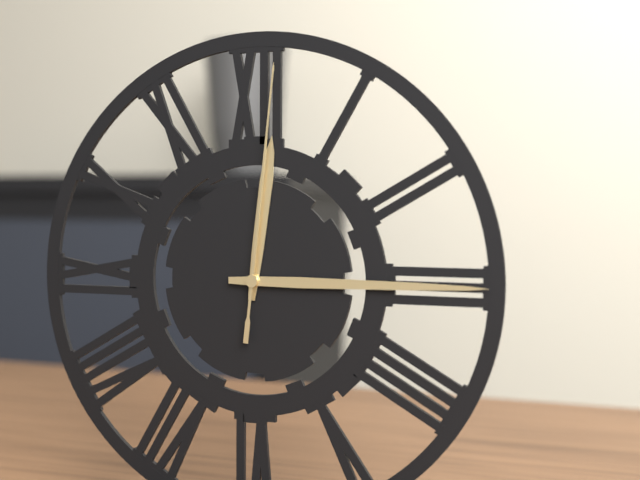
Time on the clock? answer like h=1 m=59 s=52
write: h=12 m=15 s=1
